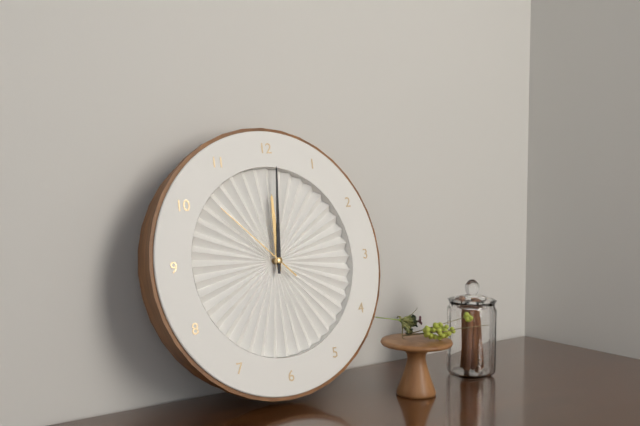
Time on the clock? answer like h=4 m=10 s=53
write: h=12 m=1 s=52
